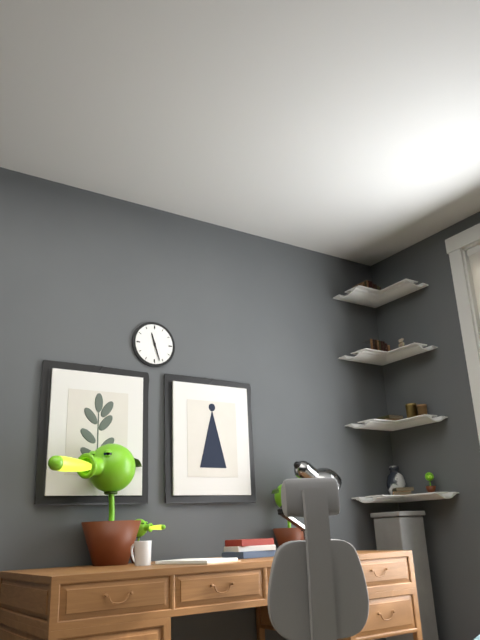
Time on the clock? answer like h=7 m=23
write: h=11 m=27
